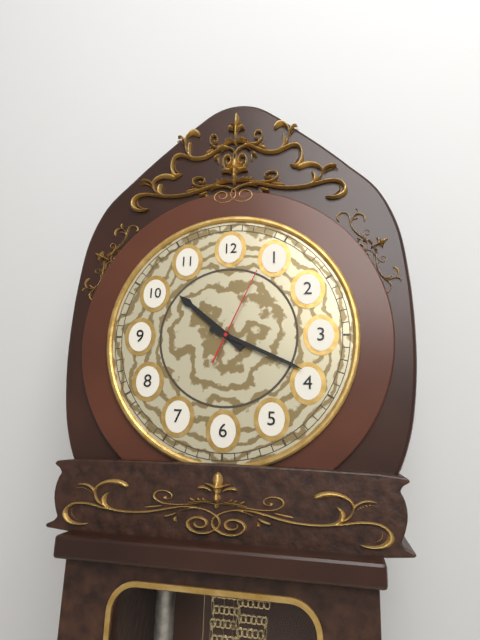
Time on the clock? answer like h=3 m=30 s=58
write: h=10 m=19 s=4
